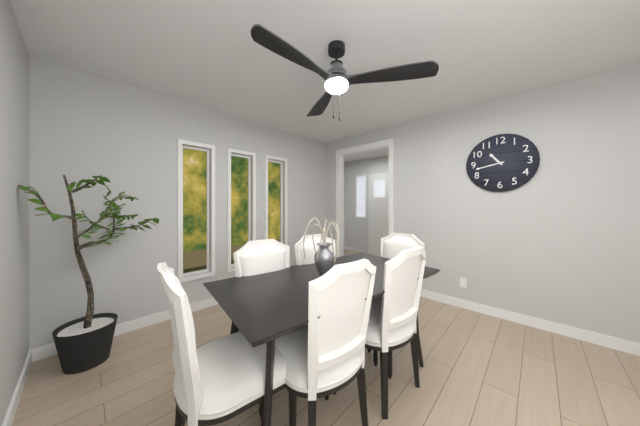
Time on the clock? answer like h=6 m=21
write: h=10 m=43
